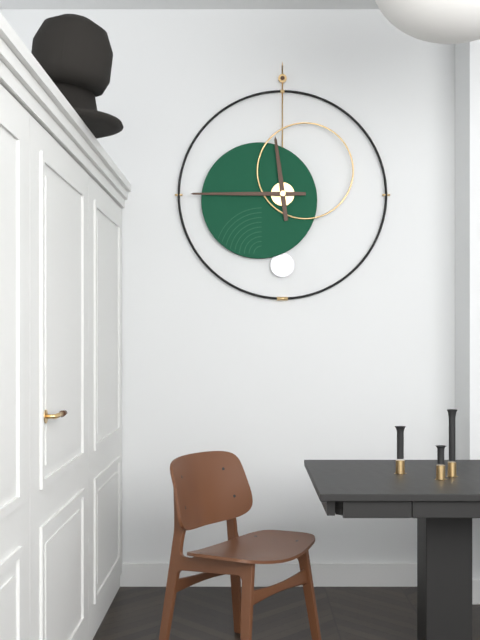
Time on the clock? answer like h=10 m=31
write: h=11 m=45
